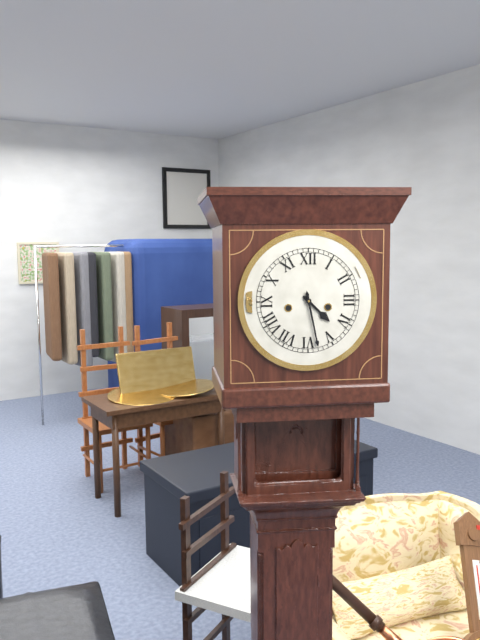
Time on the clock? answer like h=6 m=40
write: h=4 m=28
